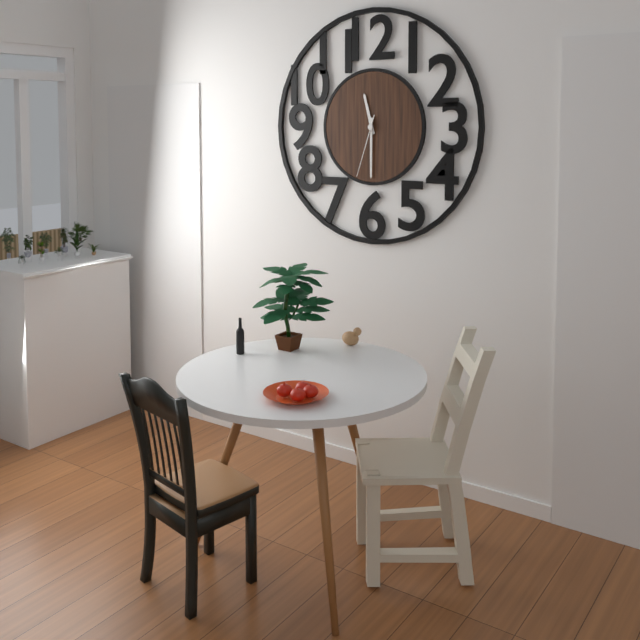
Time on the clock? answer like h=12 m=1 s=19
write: h=11 m=30 s=33
